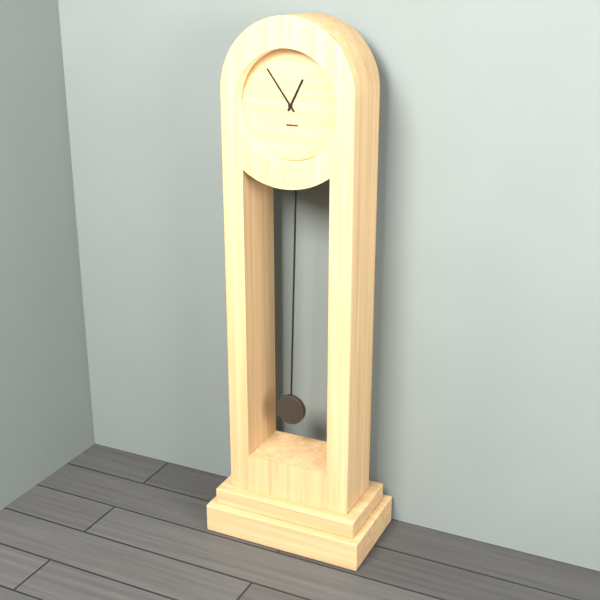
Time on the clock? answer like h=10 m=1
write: h=12 m=54
